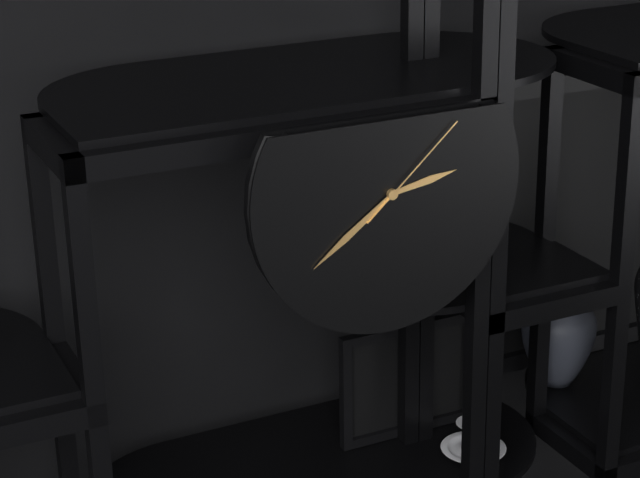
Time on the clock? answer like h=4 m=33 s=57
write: h=2 m=39 s=8
